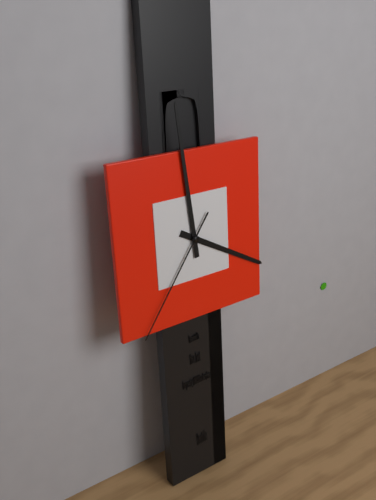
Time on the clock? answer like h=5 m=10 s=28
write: h=3 m=59 s=36
